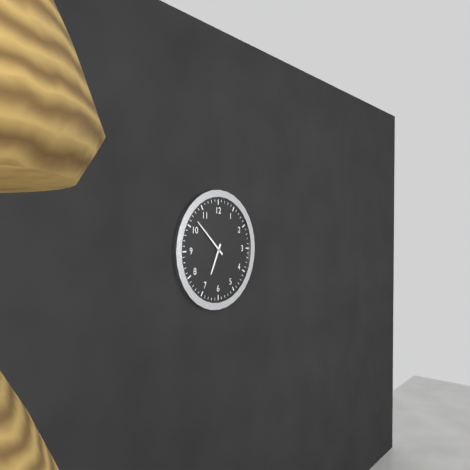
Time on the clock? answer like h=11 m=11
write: h=6 m=52
